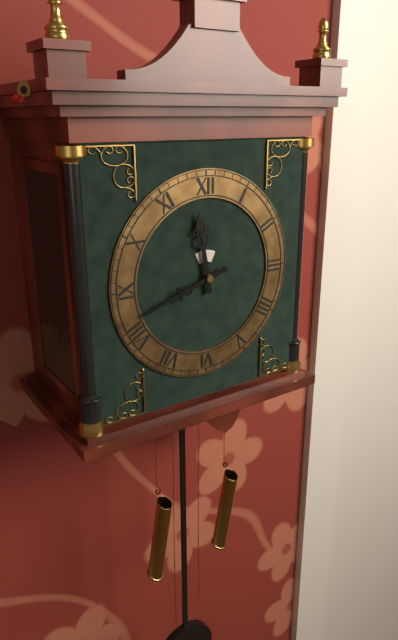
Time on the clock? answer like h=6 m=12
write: h=11 m=42
